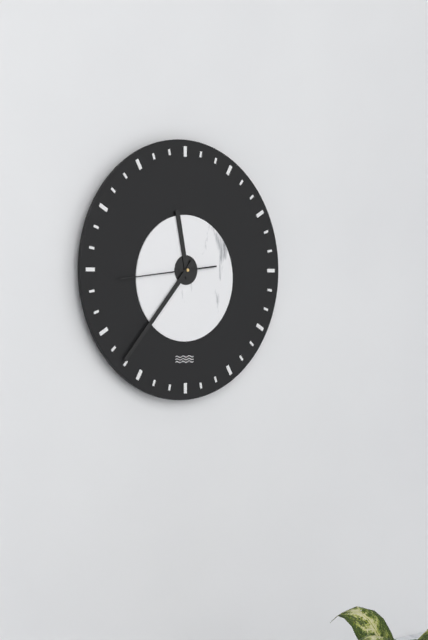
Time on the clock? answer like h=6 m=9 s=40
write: h=11 m=37 s=44
